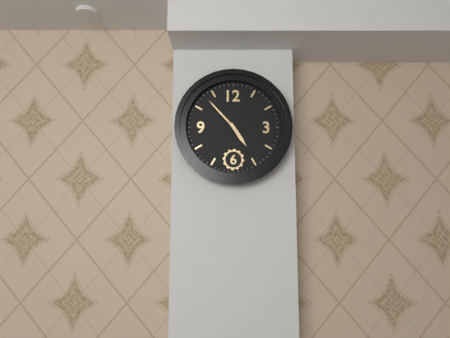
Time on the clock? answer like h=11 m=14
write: h=4 m=53
